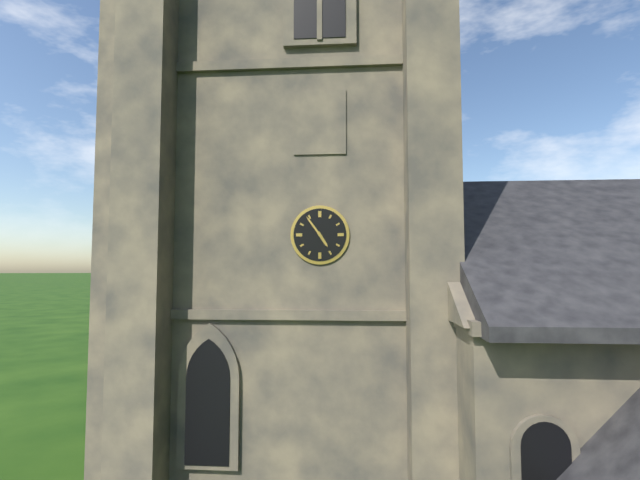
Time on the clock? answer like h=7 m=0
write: h=4 m=54
